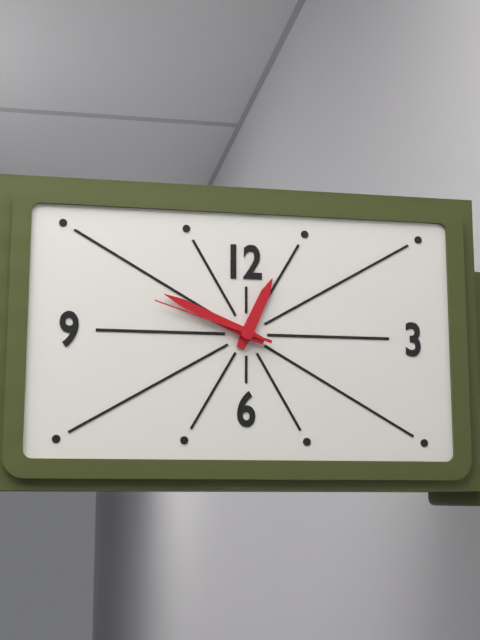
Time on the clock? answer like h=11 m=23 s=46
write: h=12 m=49 s=48
